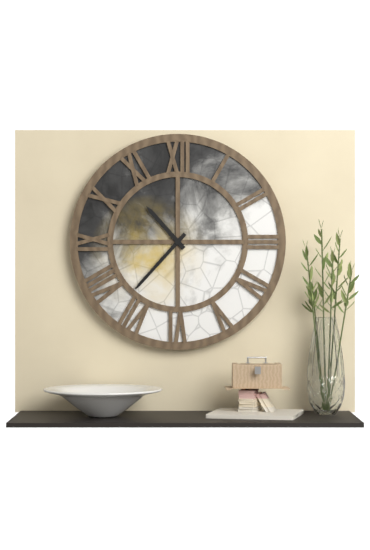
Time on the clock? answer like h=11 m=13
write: h=10 m=37
